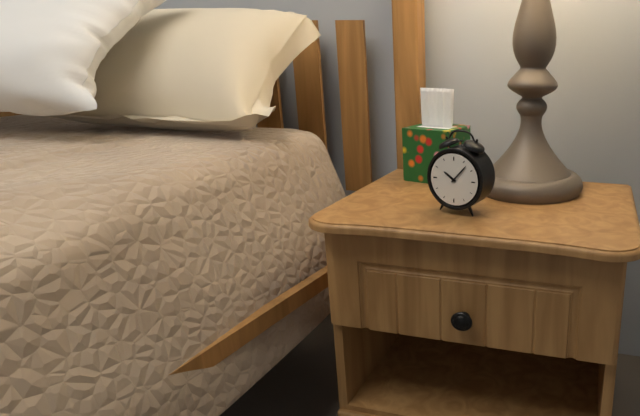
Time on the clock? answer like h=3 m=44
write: h=10 m=7
